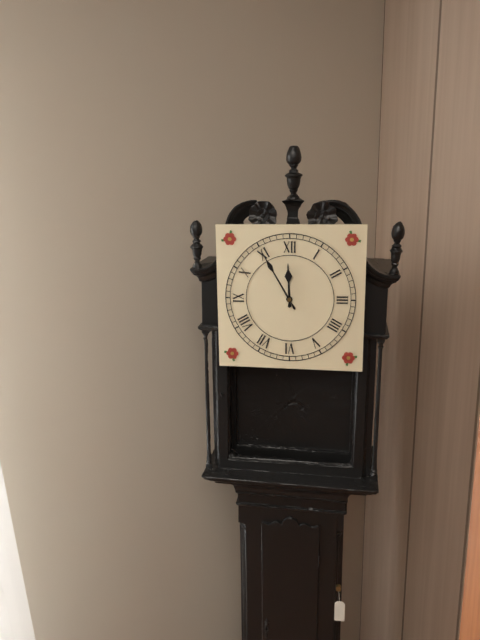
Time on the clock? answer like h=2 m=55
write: h=11 m=55
